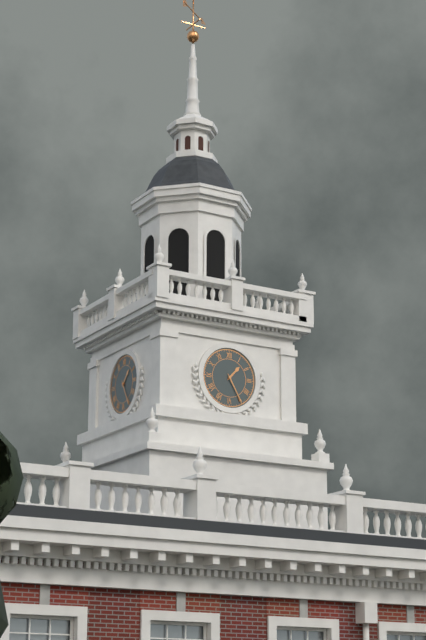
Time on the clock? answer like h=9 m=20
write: h=1 m=25
